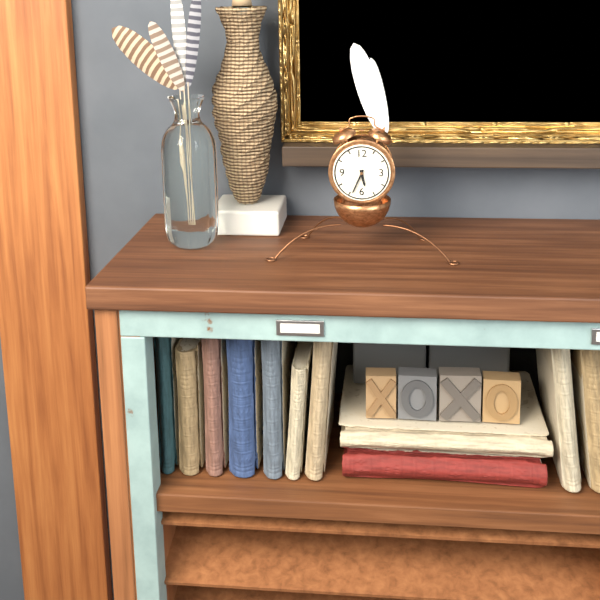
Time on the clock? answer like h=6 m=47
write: h=5 m=34
